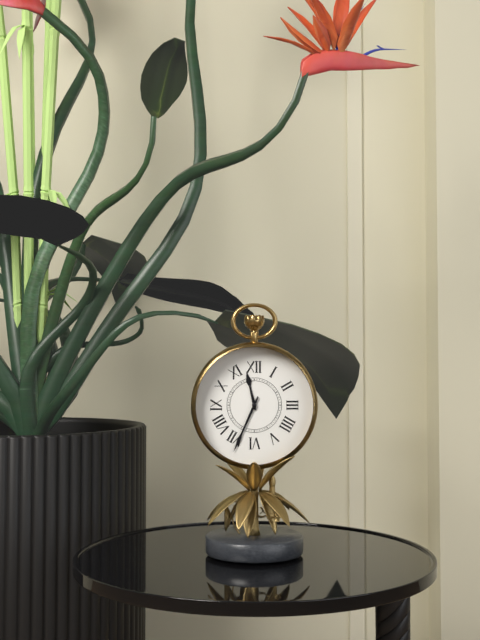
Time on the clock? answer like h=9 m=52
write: h=11 m=34
